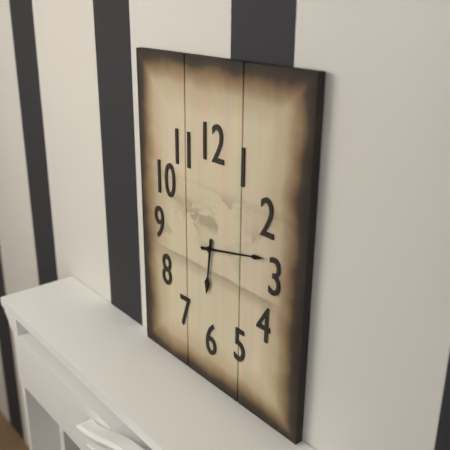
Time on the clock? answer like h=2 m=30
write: h=6 m=13
